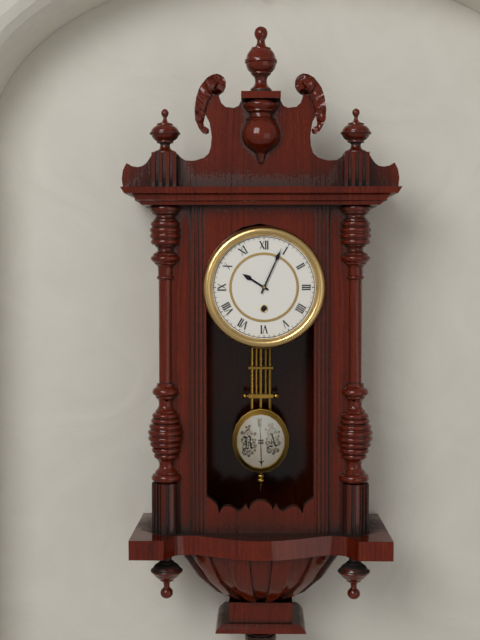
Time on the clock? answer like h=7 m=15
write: h=10 m=4
